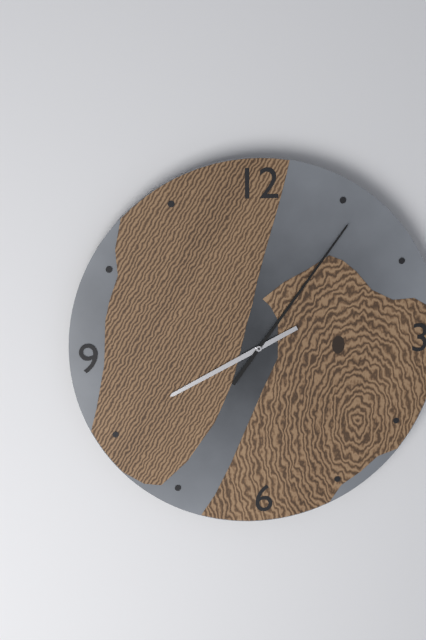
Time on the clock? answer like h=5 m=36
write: h=8 m=6
